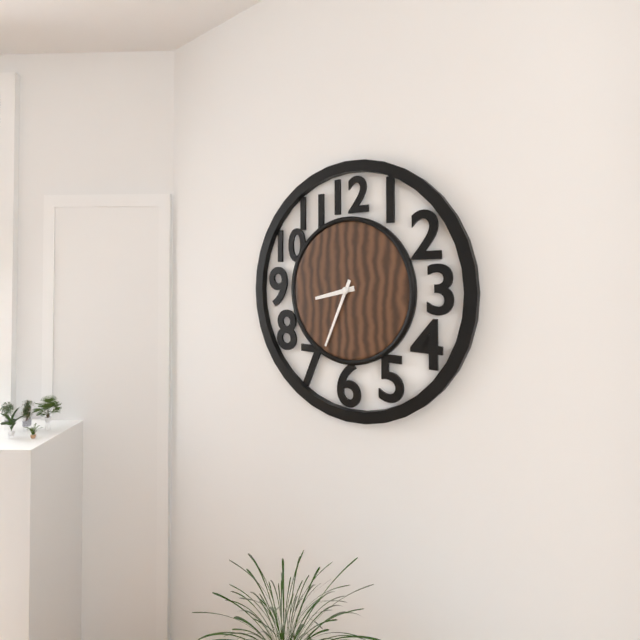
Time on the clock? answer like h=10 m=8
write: h=8 m=34
